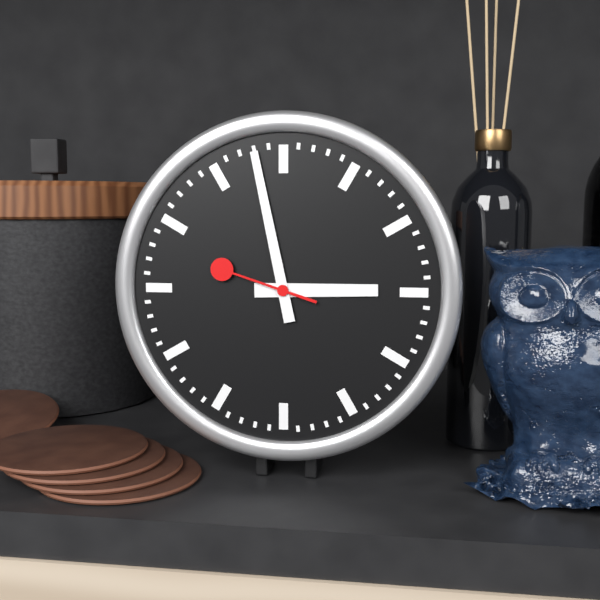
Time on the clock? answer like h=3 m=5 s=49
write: h=2 m=58 s=48
